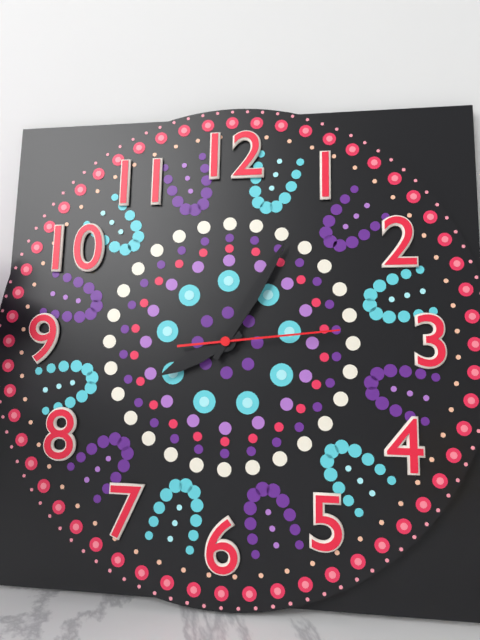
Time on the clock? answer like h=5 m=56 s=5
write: h=8 m=5 s=14
